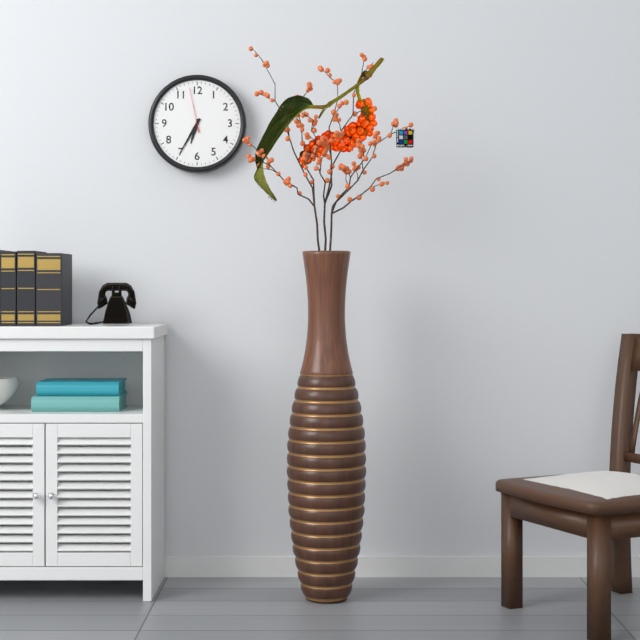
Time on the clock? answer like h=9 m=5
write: h=6 m=35
